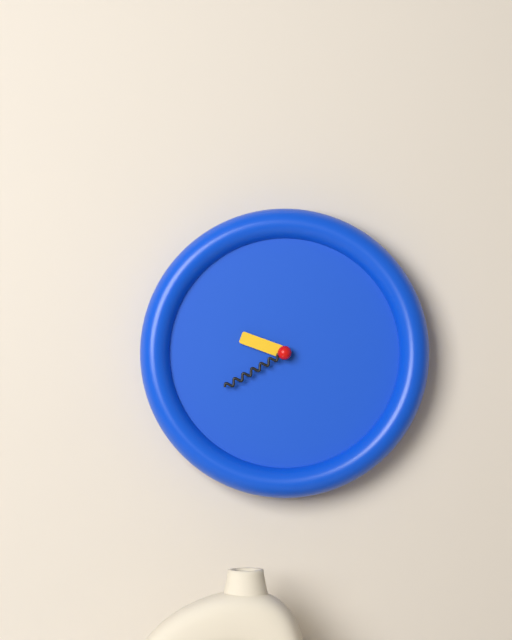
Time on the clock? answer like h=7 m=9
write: h=9 m=40
